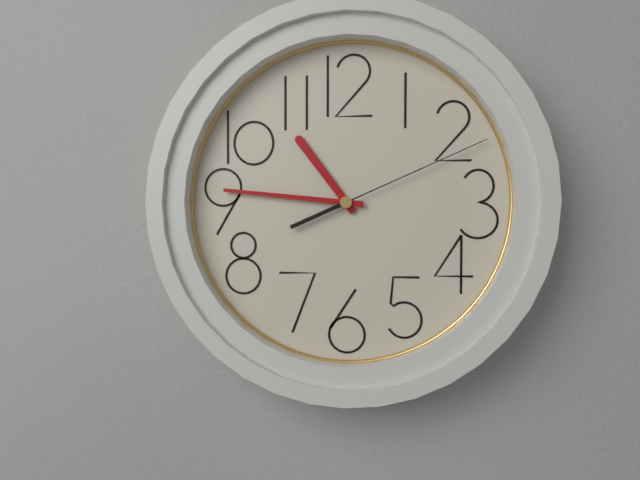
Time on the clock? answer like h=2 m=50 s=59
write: h=10 m=46 s=11
